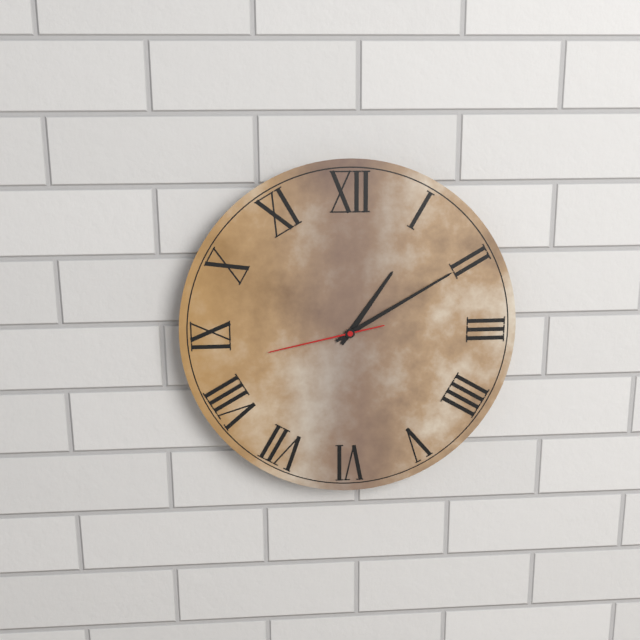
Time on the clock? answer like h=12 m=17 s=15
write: h=1 m=10 s=43
